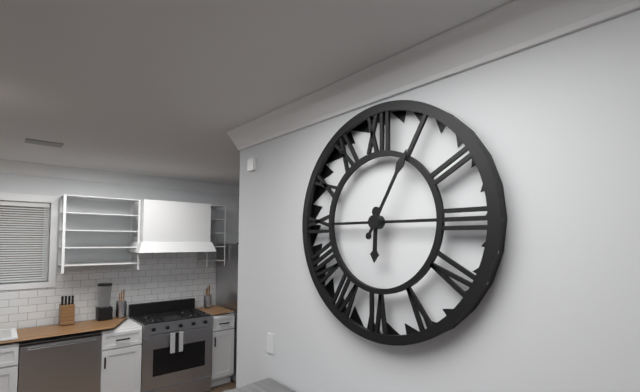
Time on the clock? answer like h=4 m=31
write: h=6 m=5
